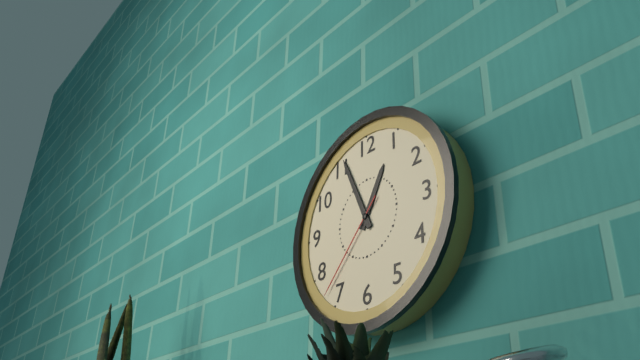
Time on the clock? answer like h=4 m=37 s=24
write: h=12 m=56 s=37
